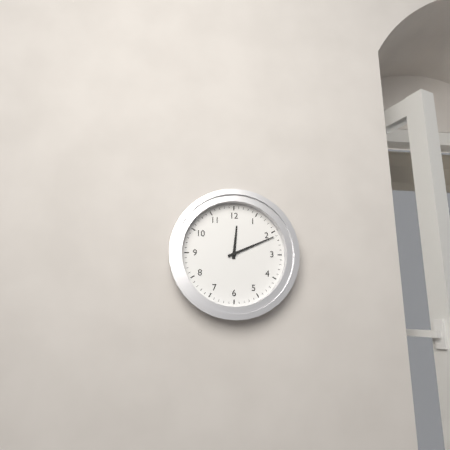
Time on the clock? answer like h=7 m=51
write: h=12 m=11
